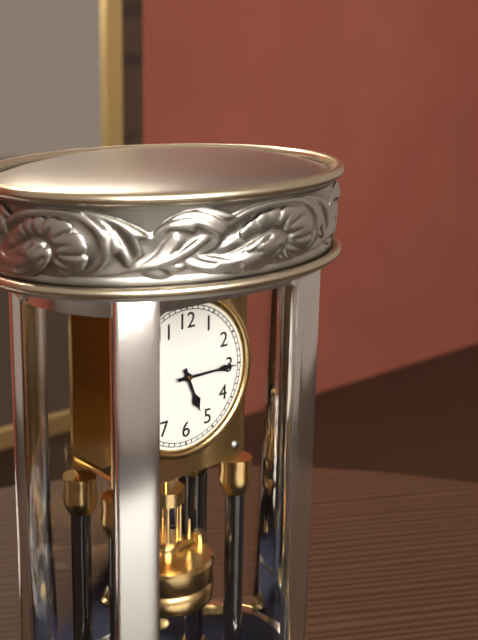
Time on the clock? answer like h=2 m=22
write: h=5 m=15
